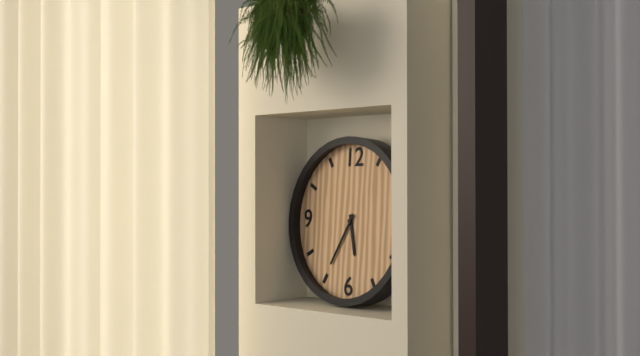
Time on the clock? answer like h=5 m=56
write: h=5 m=35
